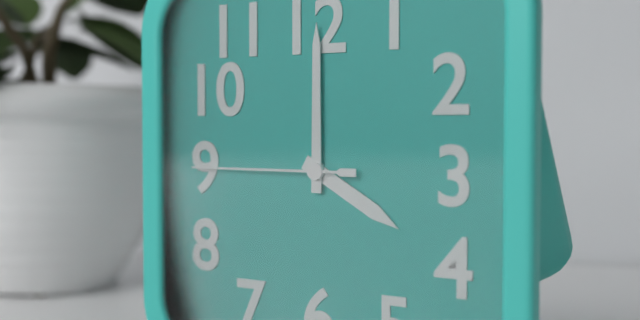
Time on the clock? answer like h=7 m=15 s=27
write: h=4 m=0 s=45
